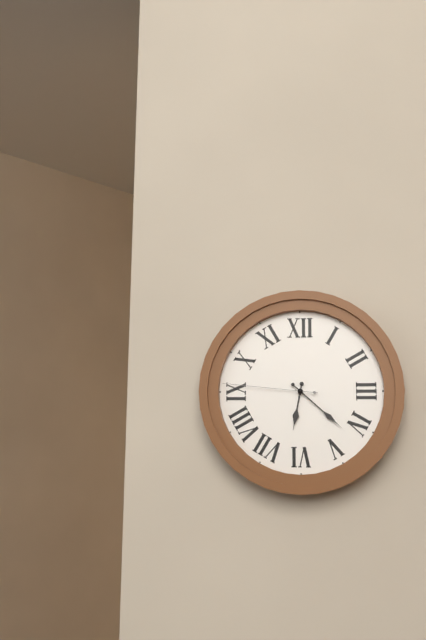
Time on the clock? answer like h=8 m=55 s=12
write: h=6 m=22 s=46
